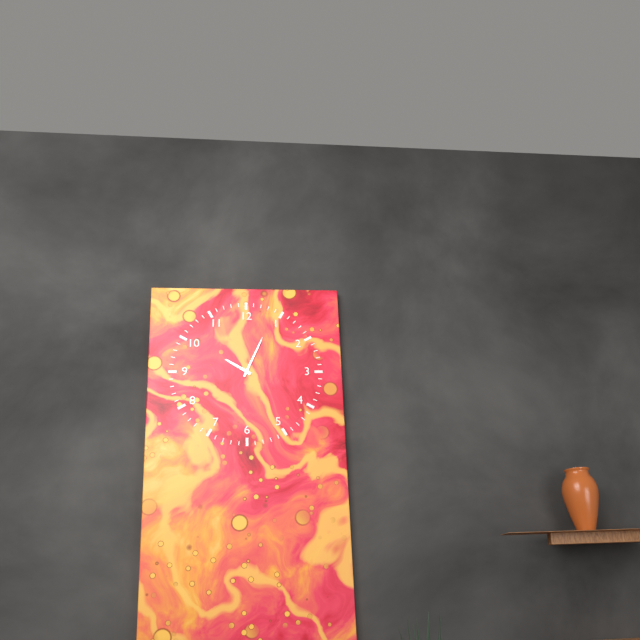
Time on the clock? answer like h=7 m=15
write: h=10 m=4
